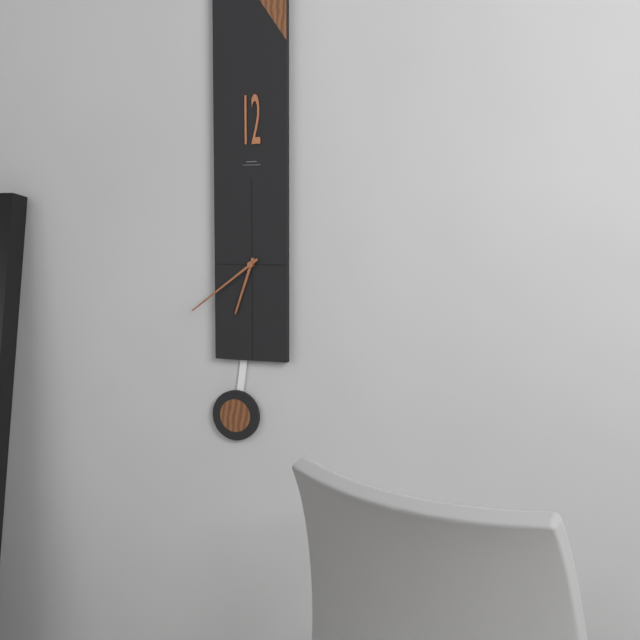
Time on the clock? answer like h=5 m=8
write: h=6 m=39
